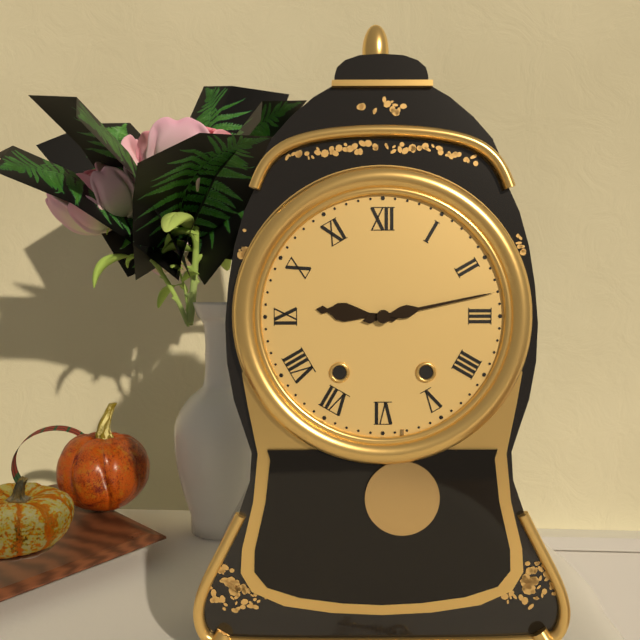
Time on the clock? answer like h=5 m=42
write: h=9 m=13
